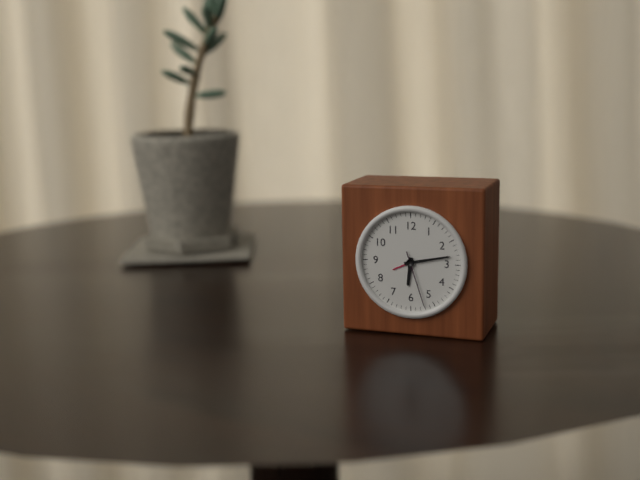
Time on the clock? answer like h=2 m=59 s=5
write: h=6 m=13 s=27
